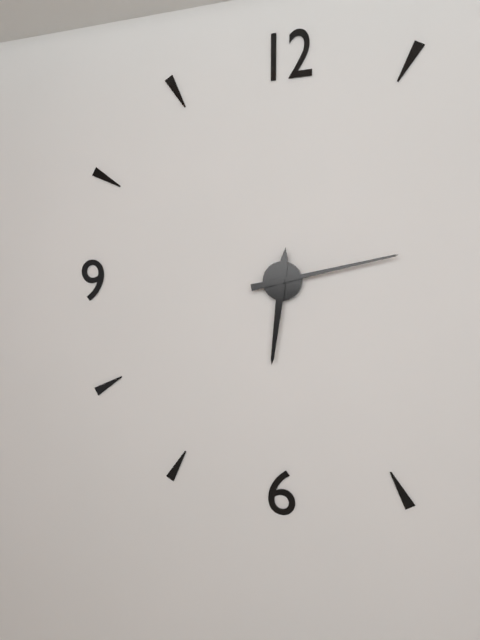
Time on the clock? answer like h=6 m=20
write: h=6 m=13
